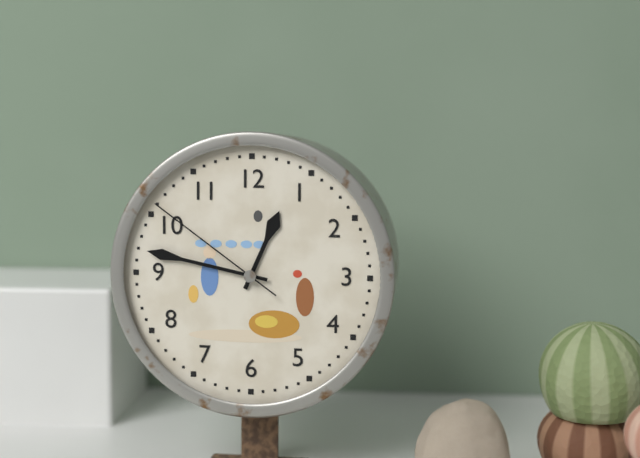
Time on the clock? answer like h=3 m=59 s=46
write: h=12 m=47 s=51
